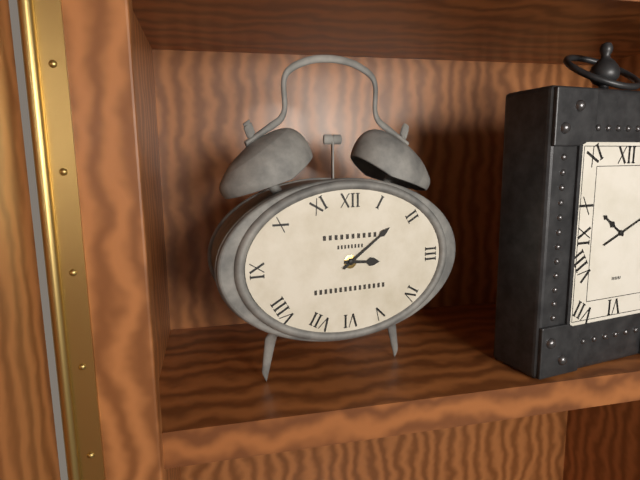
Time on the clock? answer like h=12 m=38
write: h=3 m=9
